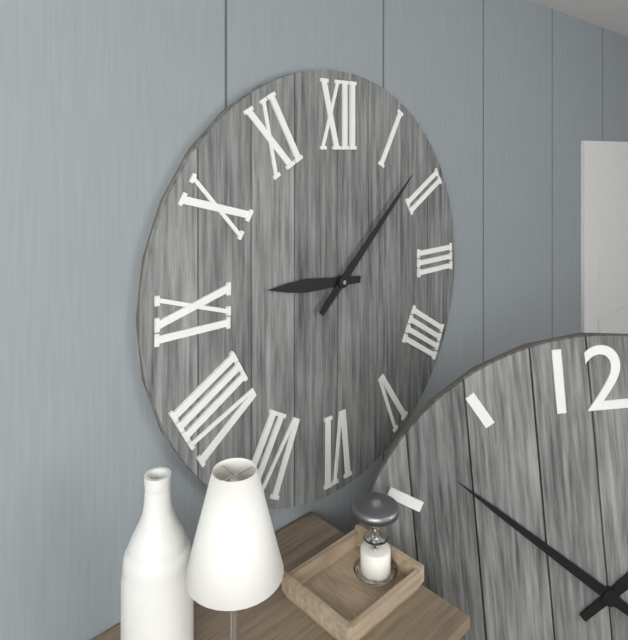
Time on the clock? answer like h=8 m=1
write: h=9 m=8
